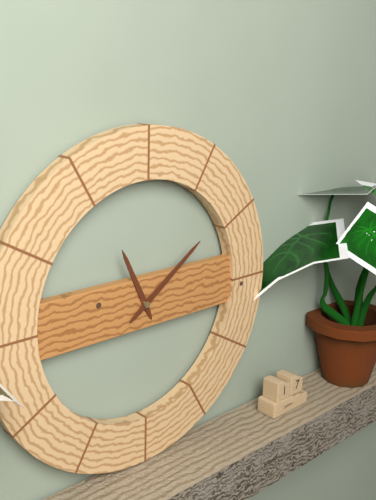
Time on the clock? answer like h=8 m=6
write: h=11 m=9
